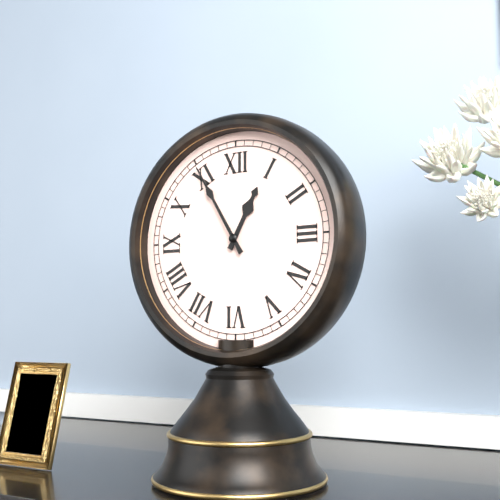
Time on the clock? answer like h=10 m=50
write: h=12 m=55
